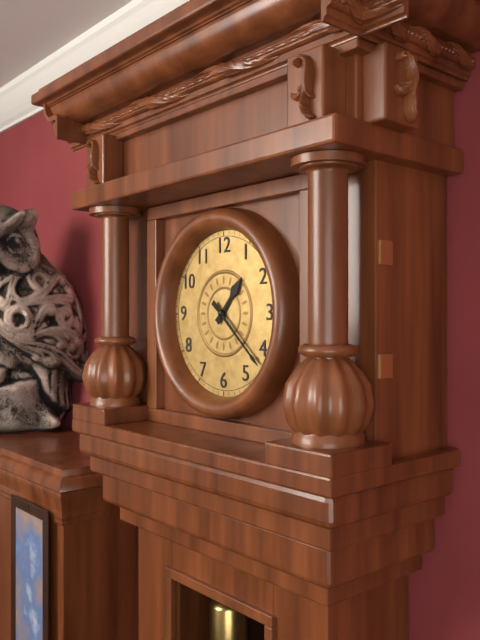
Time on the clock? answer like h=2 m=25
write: h=1 m=22
